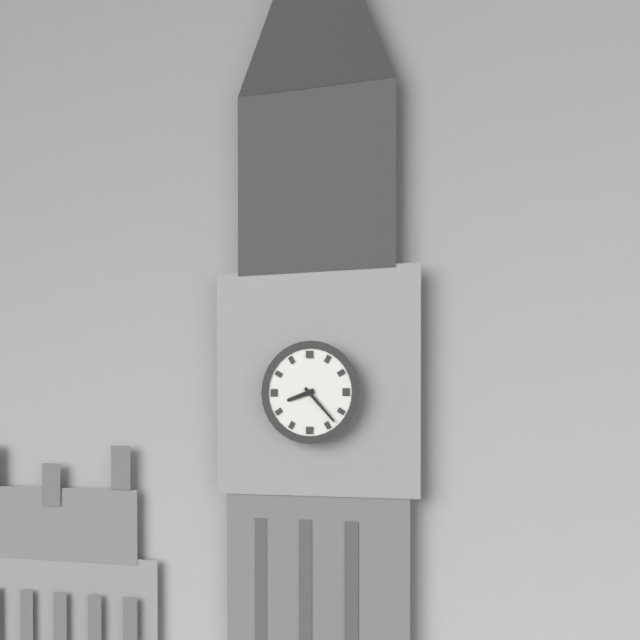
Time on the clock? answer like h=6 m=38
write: h=8 m=23
